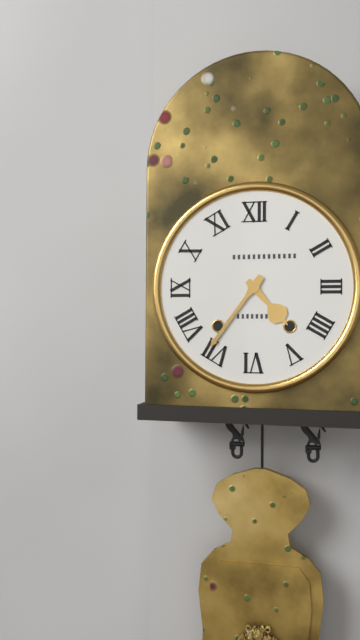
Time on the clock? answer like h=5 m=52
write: h=4 m=36
